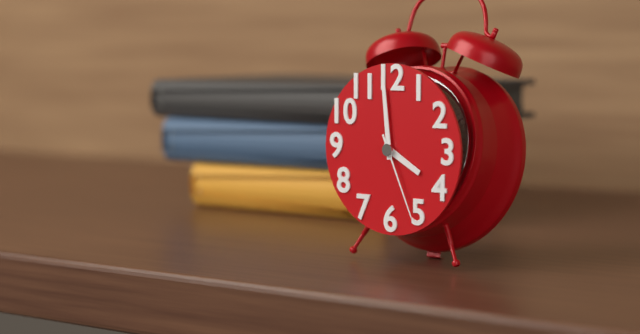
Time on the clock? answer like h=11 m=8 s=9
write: h=3 m=59 s=26
